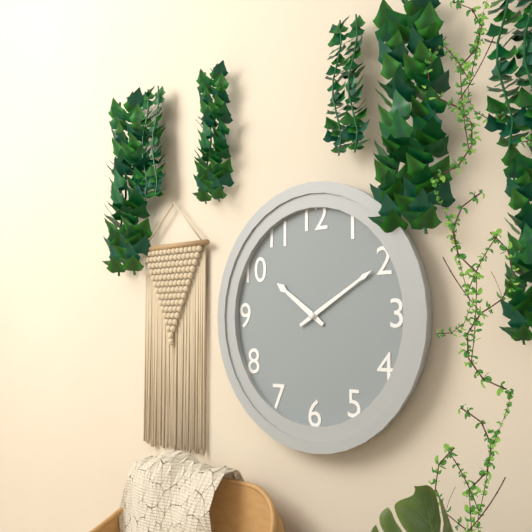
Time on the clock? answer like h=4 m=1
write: h=10 m=10
